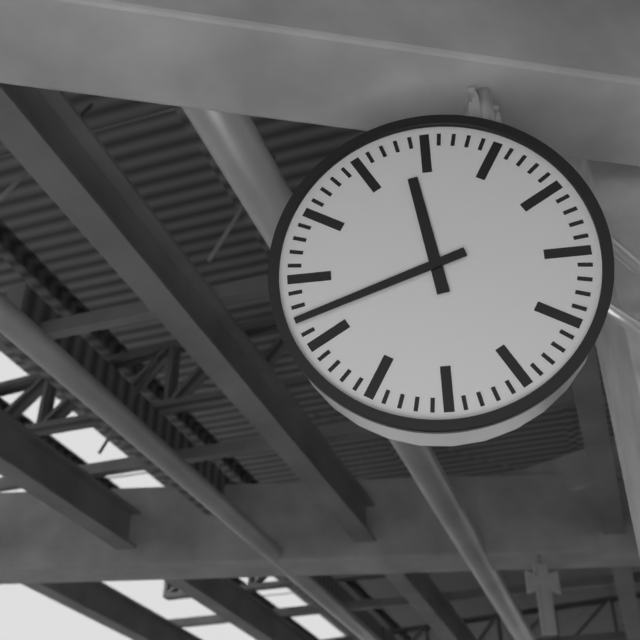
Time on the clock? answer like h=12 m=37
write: h=11 m=42
